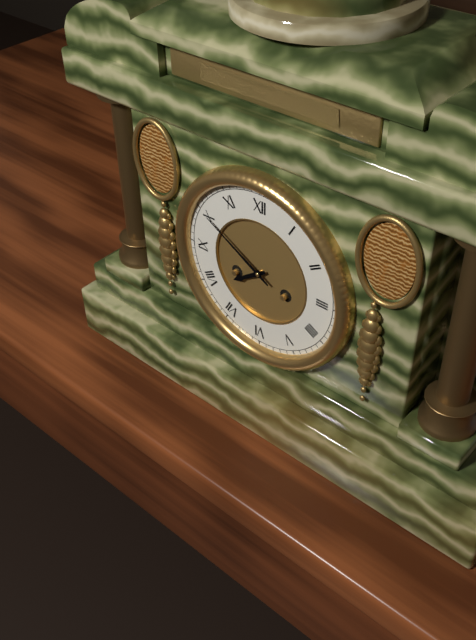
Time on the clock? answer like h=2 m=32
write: h=7 m=50
